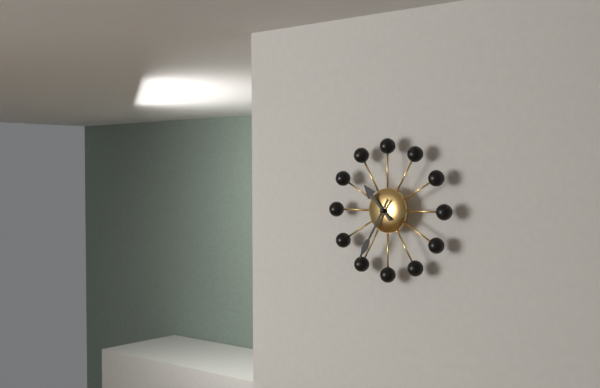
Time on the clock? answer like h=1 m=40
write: h=10 m=35
